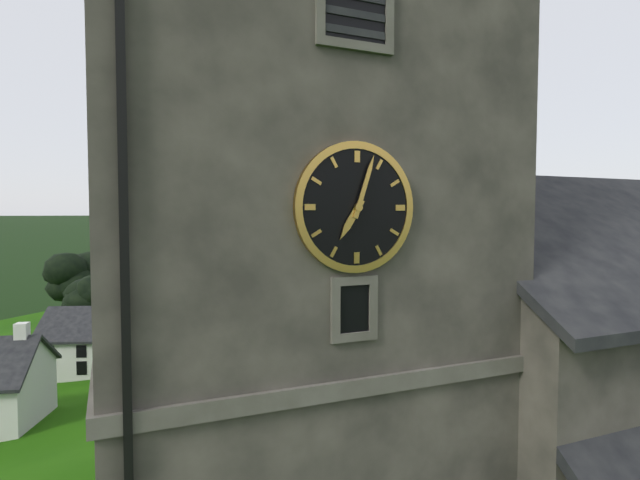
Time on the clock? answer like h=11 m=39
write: h=7 m=3
